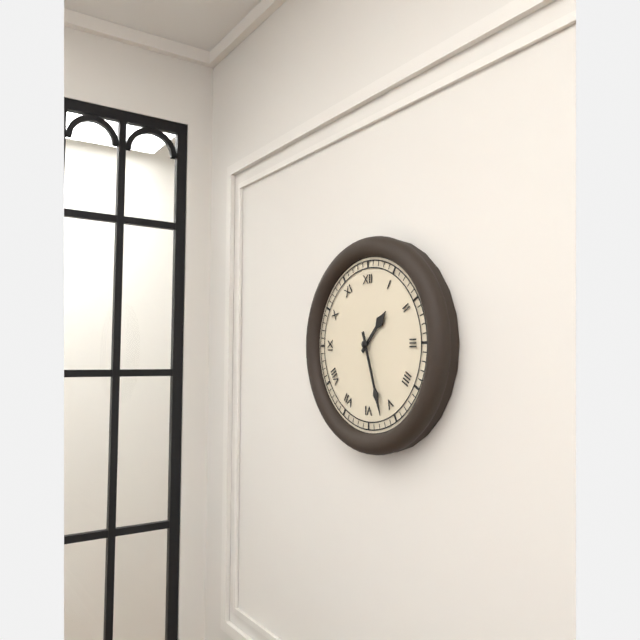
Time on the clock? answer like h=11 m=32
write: h=1 m=27
